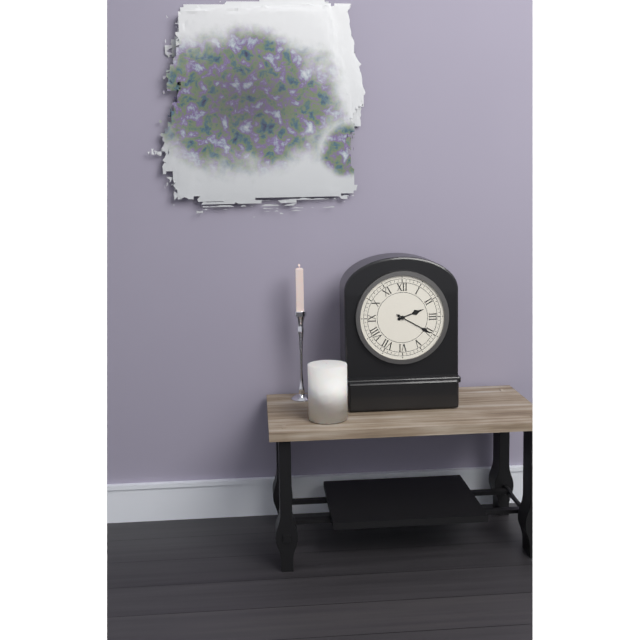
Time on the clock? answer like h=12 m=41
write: h=2 m=20
